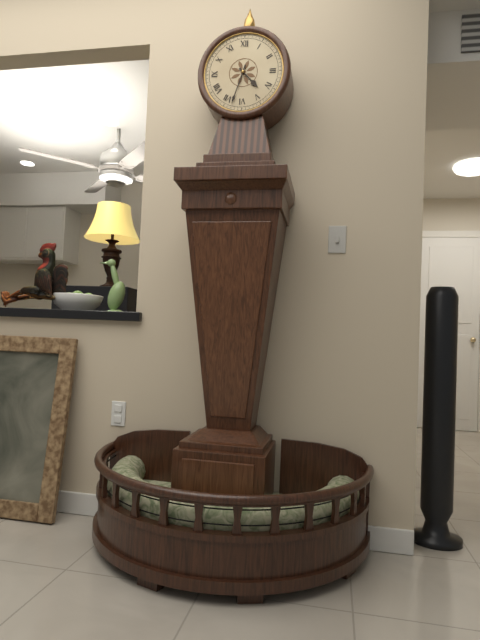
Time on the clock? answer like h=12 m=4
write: h=4 m=33
